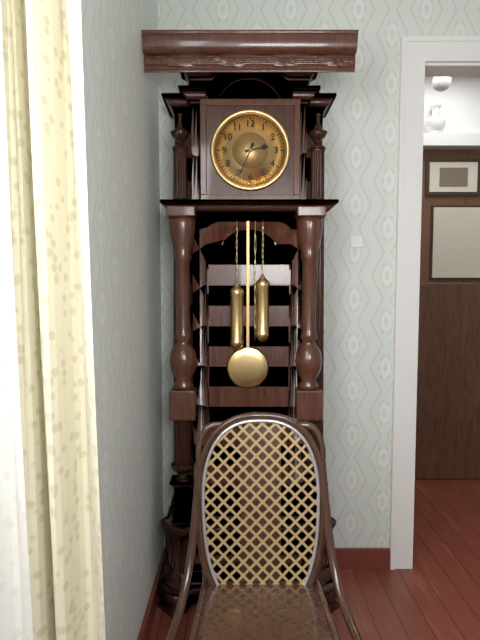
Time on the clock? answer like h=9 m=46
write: h=2 m=34
